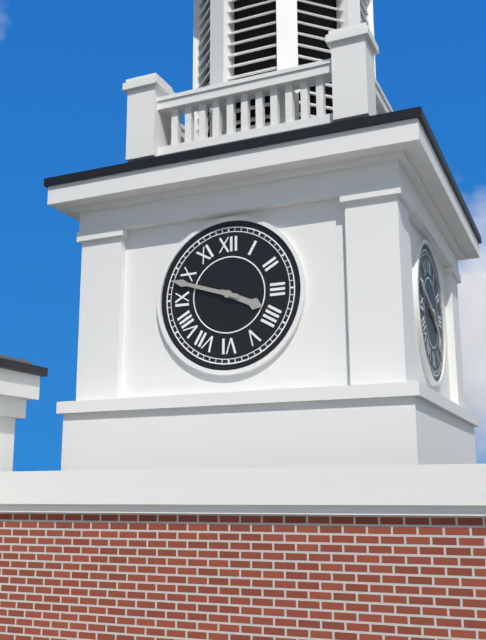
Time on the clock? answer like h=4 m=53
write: h=3 m=48
